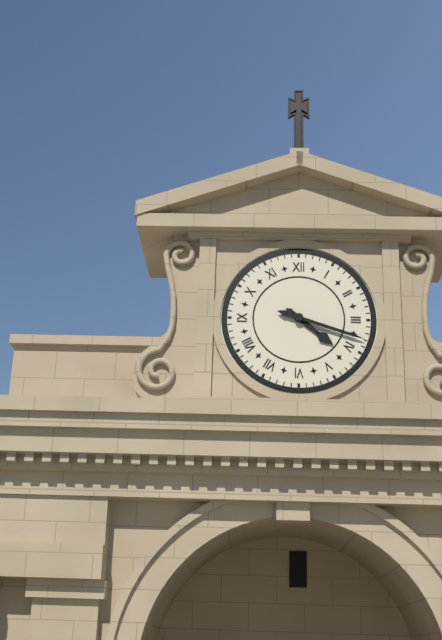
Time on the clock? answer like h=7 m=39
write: h=4 m=18
